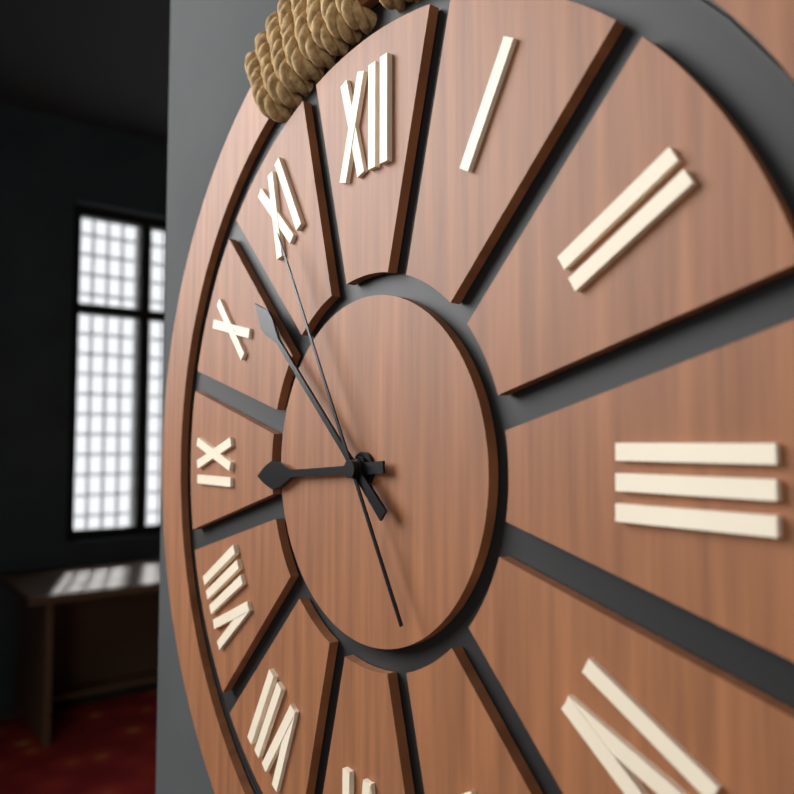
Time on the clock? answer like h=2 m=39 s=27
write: h=8 m=52 s=55
